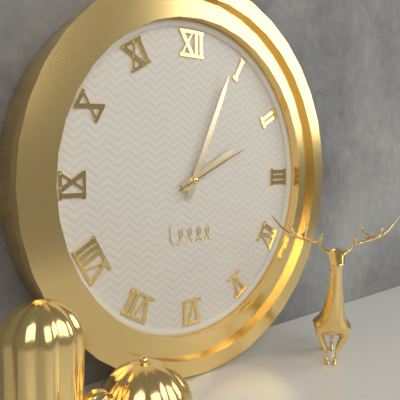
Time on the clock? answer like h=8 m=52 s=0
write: h=2 m=4 s=11
